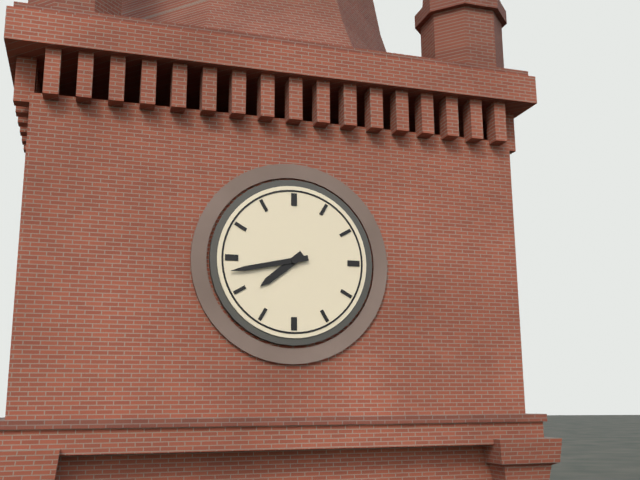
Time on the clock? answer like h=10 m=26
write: h=7 m=43
